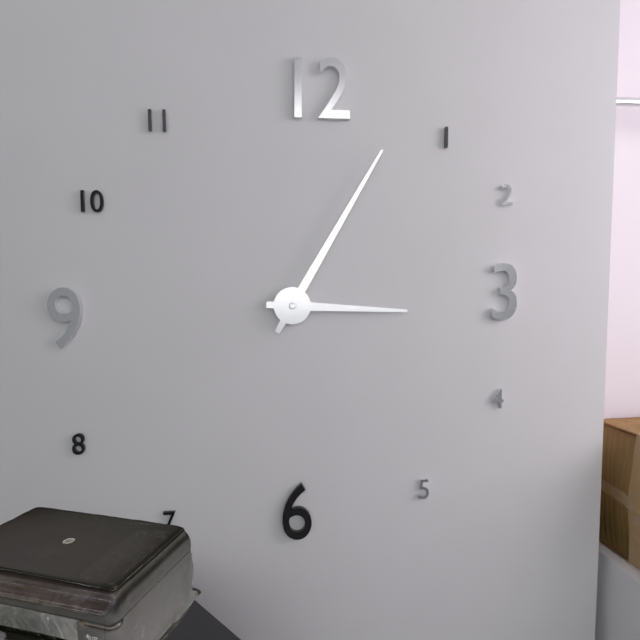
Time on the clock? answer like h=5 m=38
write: h=3 m=5
